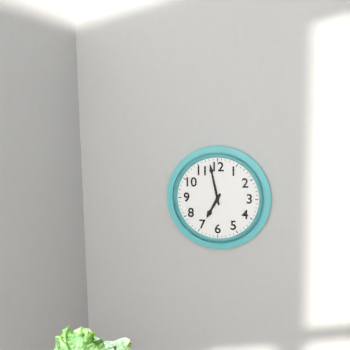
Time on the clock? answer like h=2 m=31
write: h=6 m=58
